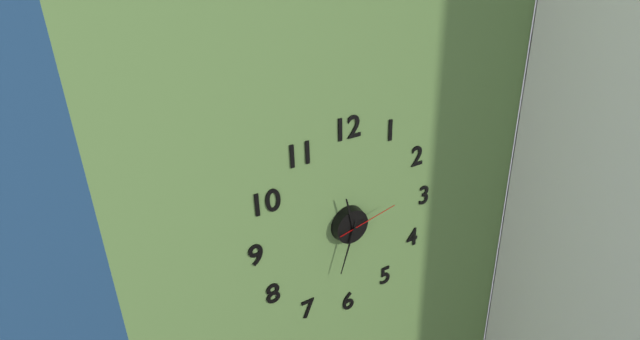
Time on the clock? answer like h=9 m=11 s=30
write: h=11 m=33 s=13
